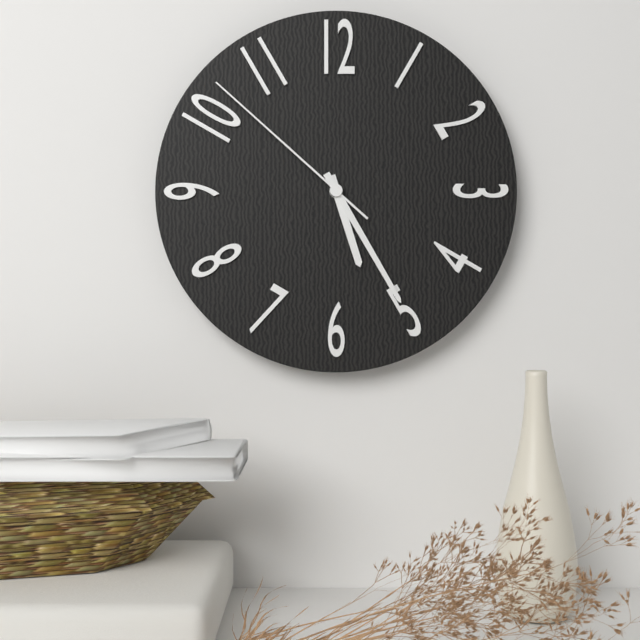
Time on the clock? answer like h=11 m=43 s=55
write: h=5 m=25 s=52
